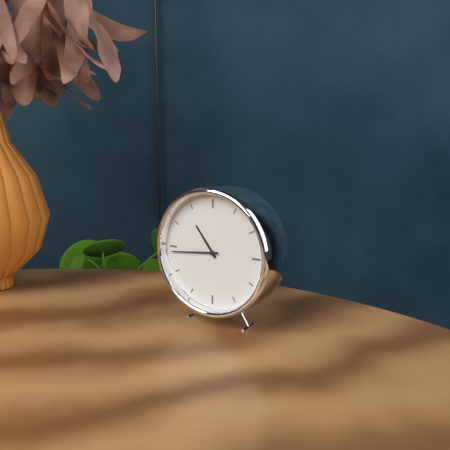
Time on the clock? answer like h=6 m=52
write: h=10 m=44
